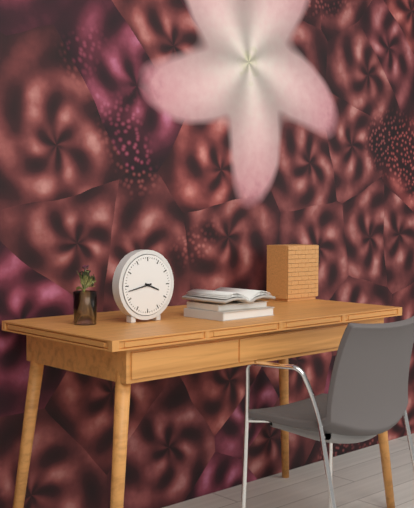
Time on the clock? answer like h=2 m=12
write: h=3 m=43
